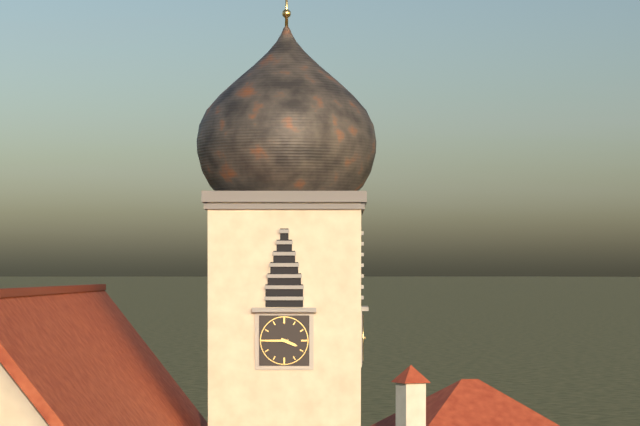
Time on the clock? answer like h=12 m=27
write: h=3 m=45
